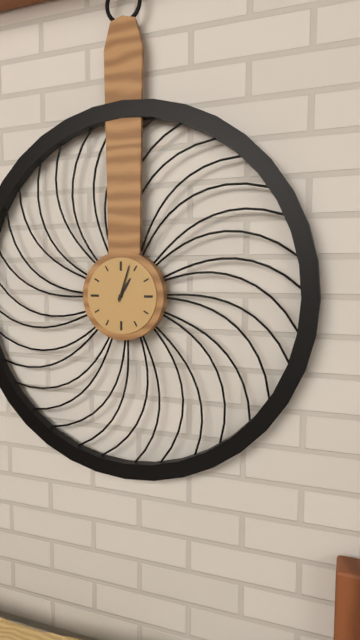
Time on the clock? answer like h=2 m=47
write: h=1 m=3
